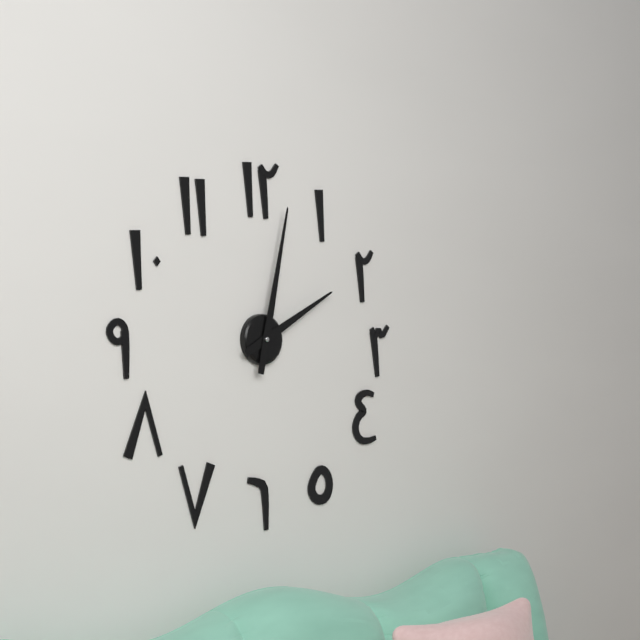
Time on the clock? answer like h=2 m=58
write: h=2 m=2
